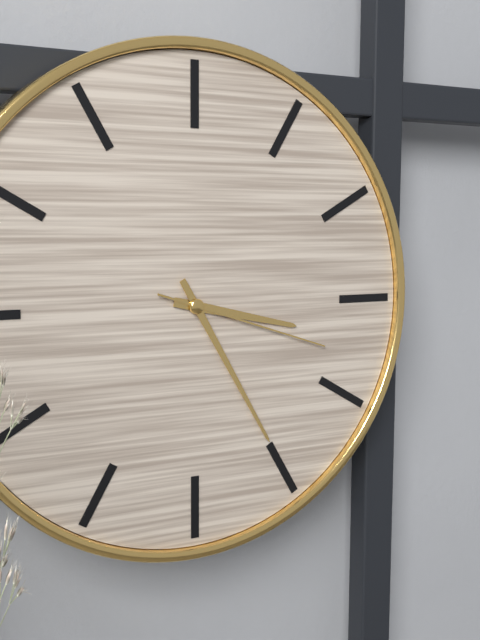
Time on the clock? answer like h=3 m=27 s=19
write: h=3 m=25 s=18
